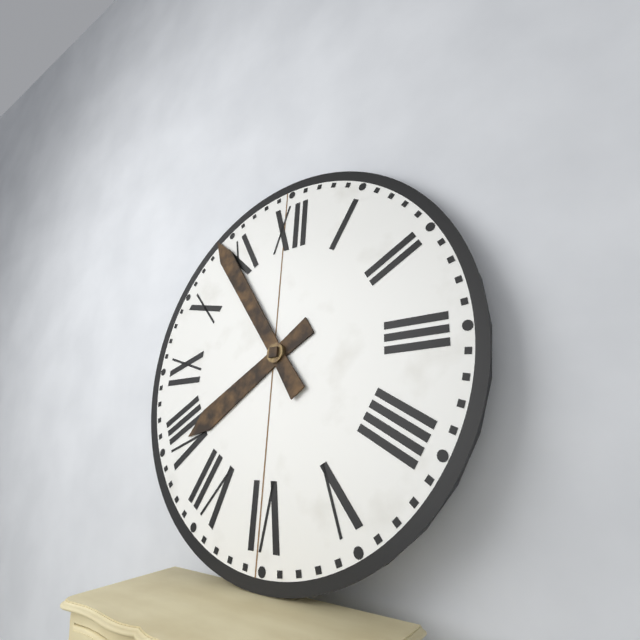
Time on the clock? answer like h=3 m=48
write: h=7 m=54
